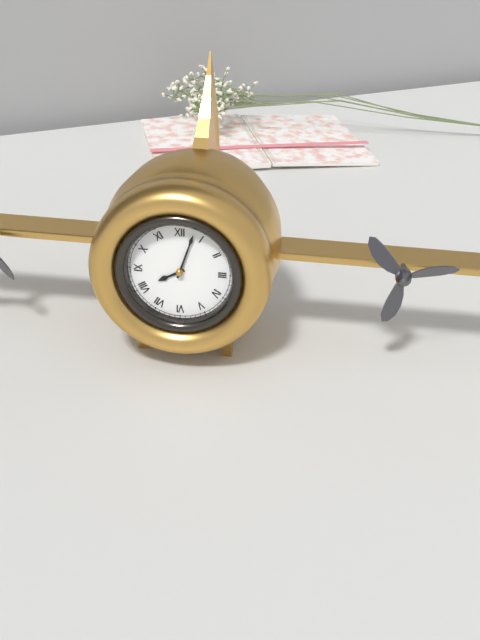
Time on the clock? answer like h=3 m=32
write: h=8 m=3
